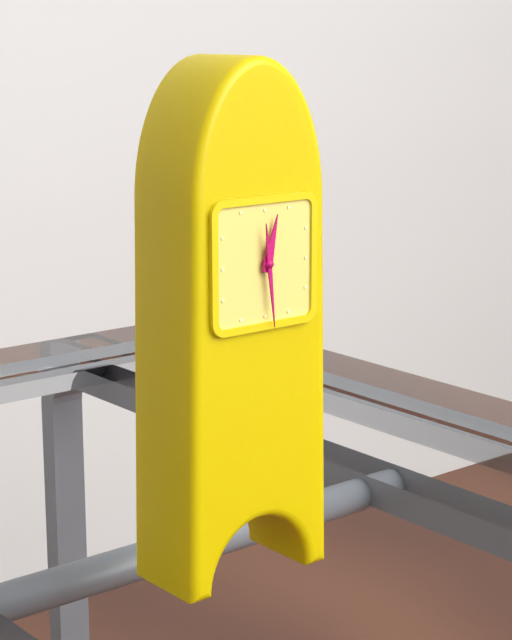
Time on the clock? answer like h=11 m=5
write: h=12 m=29
